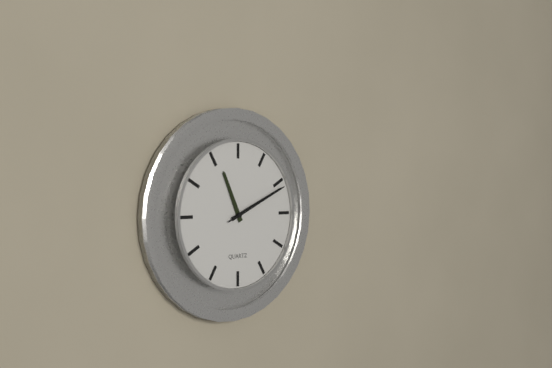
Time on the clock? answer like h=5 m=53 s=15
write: h=11 m=11 s=11
